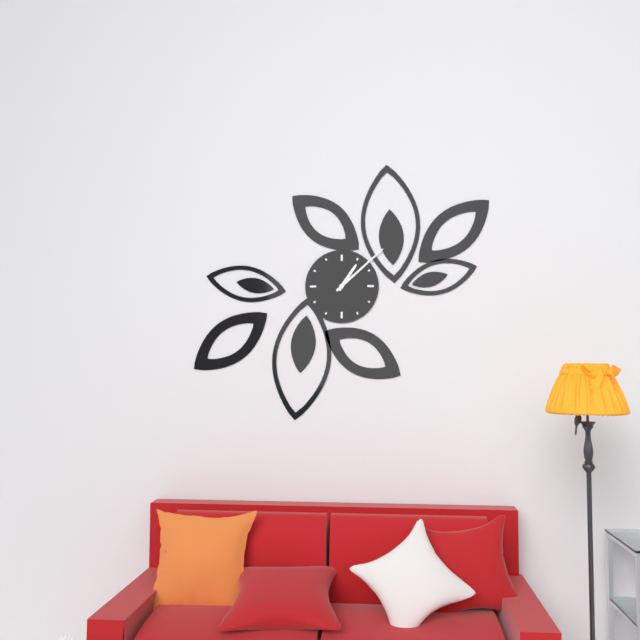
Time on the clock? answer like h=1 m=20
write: h=1 m=8
